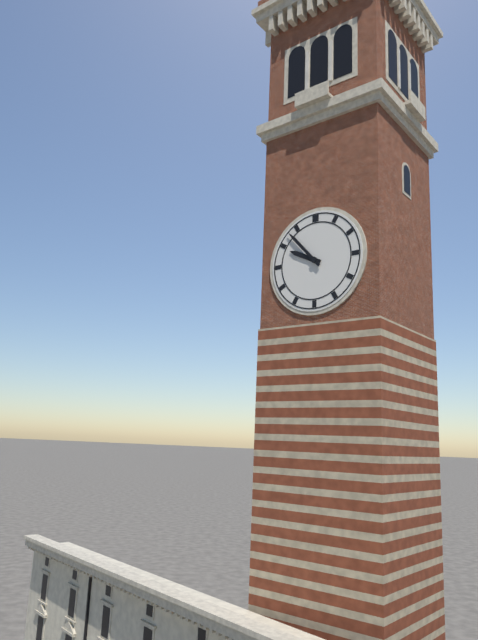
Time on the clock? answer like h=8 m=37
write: h=9 m=53
